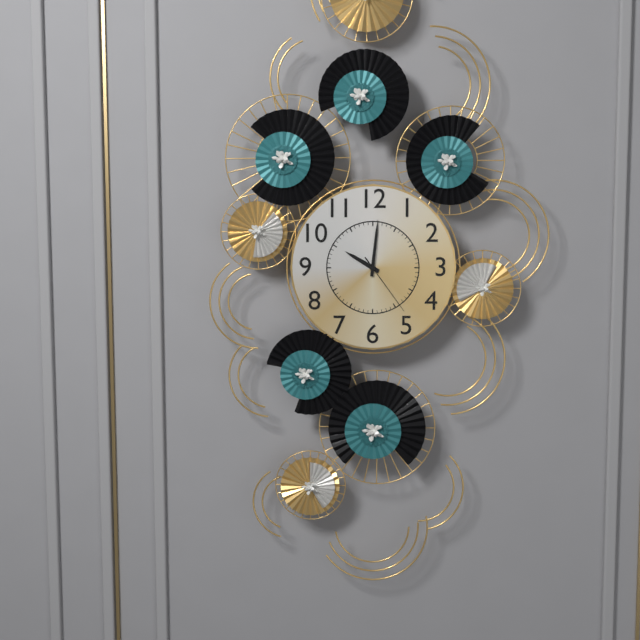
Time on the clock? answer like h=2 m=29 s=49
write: h=10 m=1 s=24
